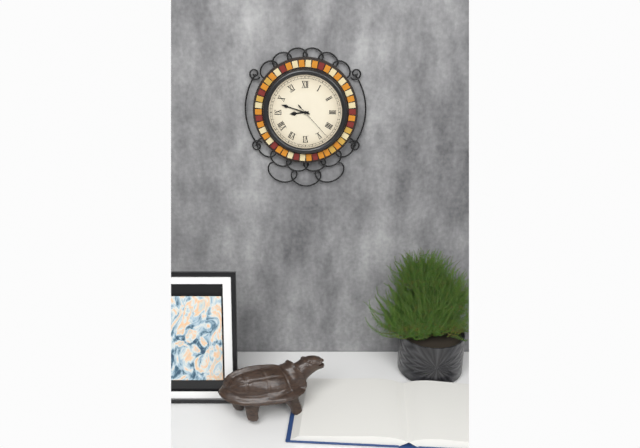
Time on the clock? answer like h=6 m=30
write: h=8 m=48
